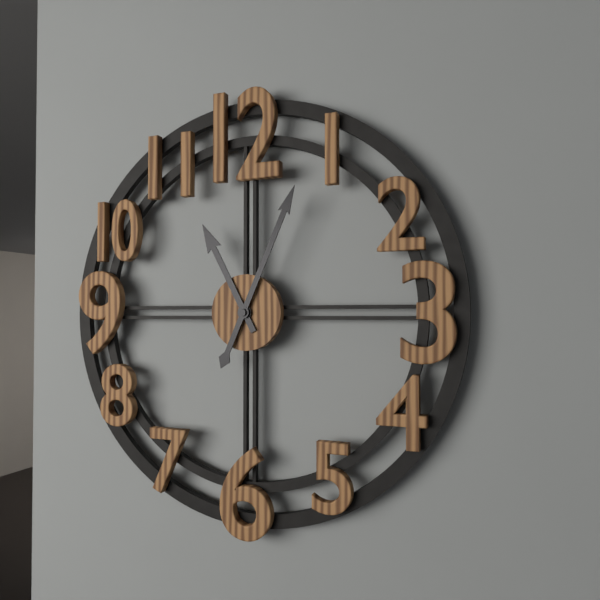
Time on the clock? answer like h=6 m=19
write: h=11 m=4
